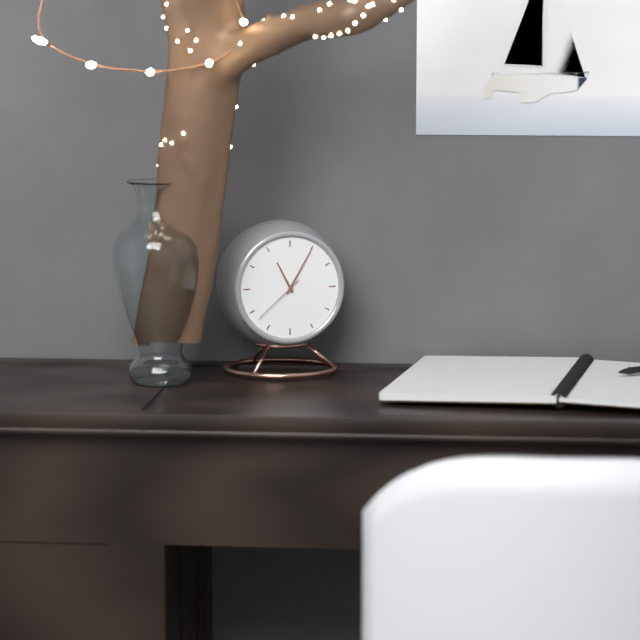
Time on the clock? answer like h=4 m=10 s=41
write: h=11 m=5 s=38
